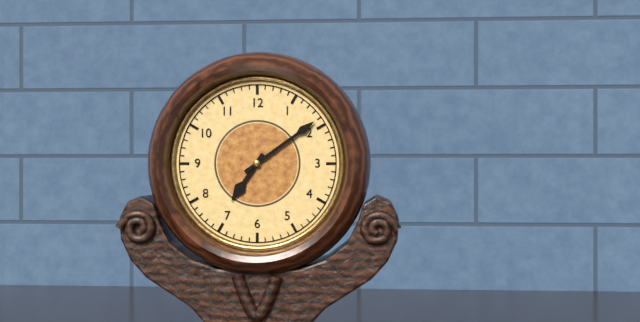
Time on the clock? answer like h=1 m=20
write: h=7 m=9
